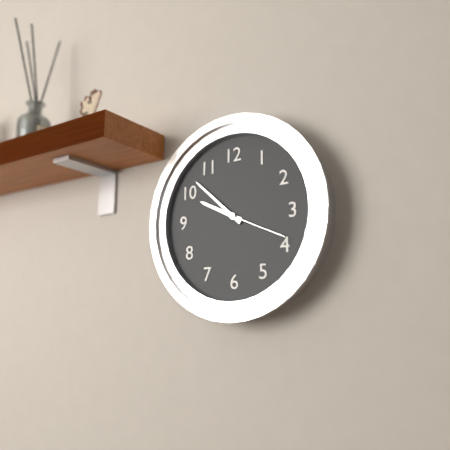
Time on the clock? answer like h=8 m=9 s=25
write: h=9 m=52 s=19
